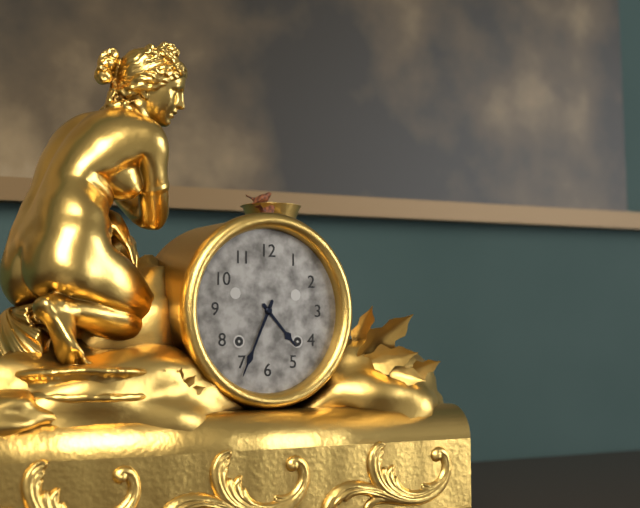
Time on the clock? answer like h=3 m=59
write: h=4 m=34
